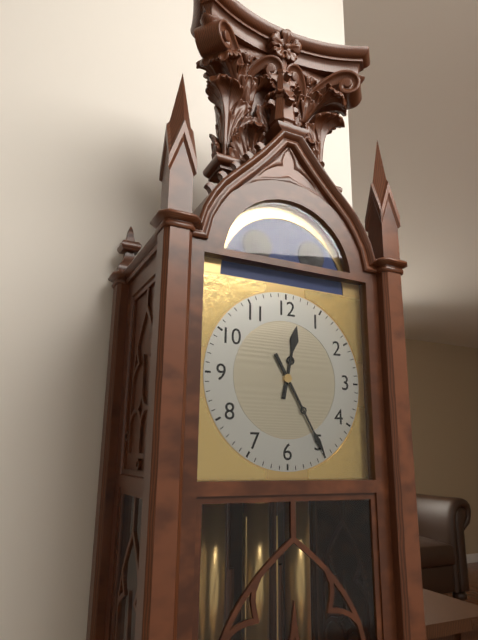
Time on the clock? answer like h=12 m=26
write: h=12 m=25
